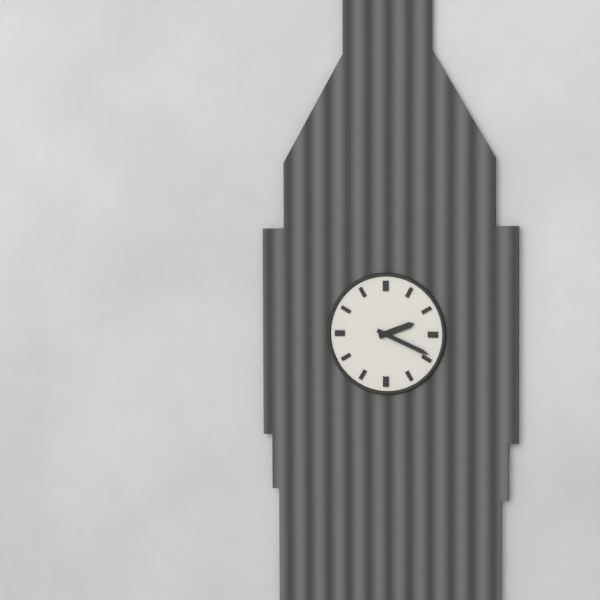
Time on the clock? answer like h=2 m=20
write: h=2 m=19
